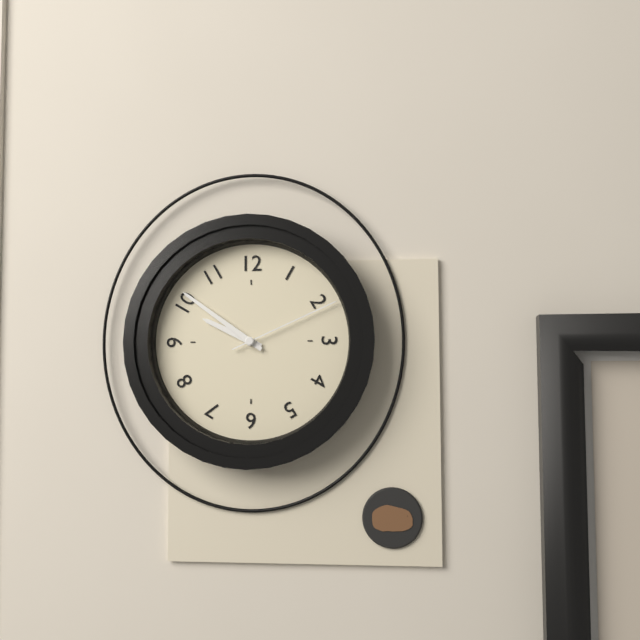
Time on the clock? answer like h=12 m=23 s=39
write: h=9 m=51 s=11
